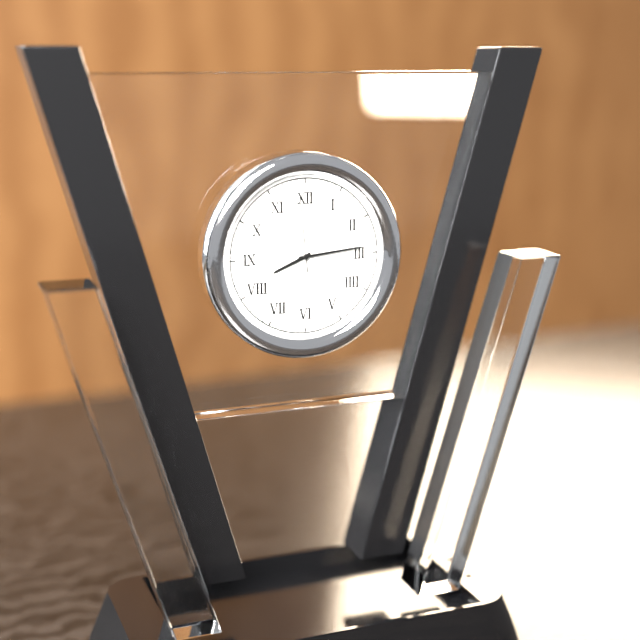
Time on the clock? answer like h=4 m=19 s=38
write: h=8 m=14 s=59
